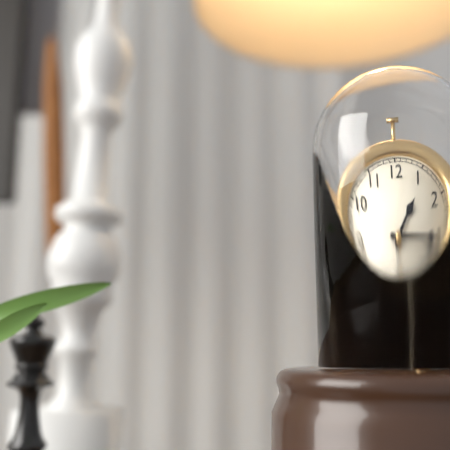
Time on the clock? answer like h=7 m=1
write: h=1 m=15
